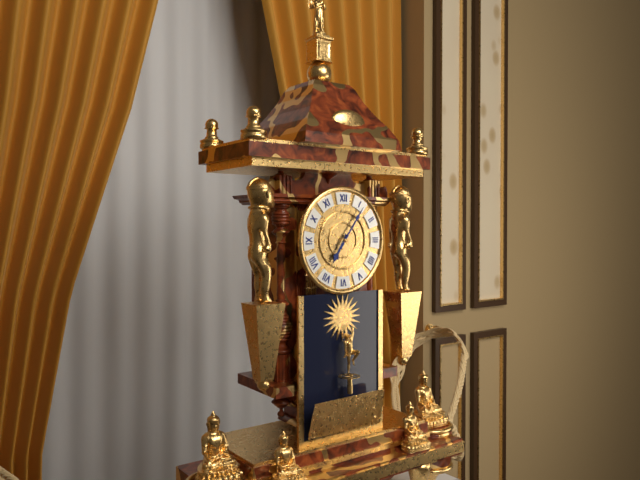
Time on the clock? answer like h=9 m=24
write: h=7 m=6
